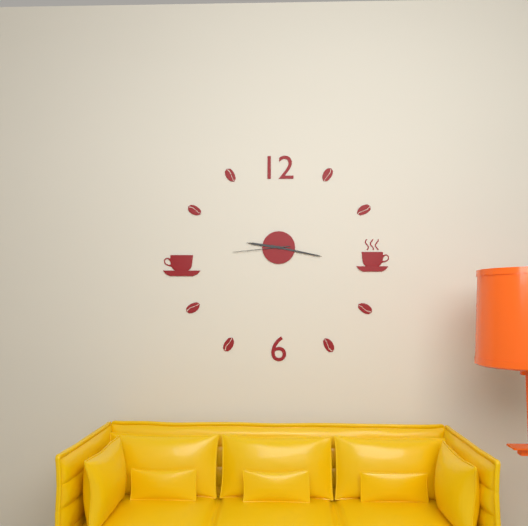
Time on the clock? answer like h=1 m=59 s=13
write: h=9 m=17 s=44
